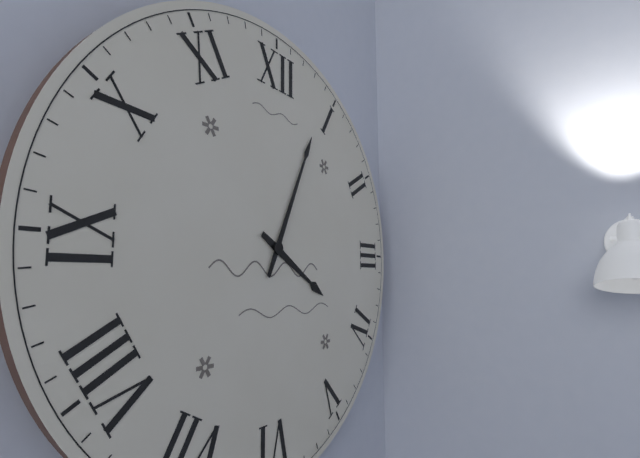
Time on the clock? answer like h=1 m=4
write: h=4 m=4
